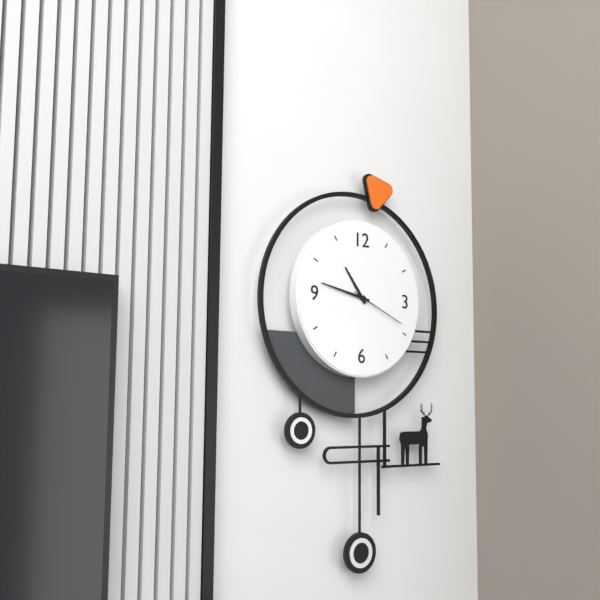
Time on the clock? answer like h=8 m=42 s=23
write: h=10 m=47 s=19
